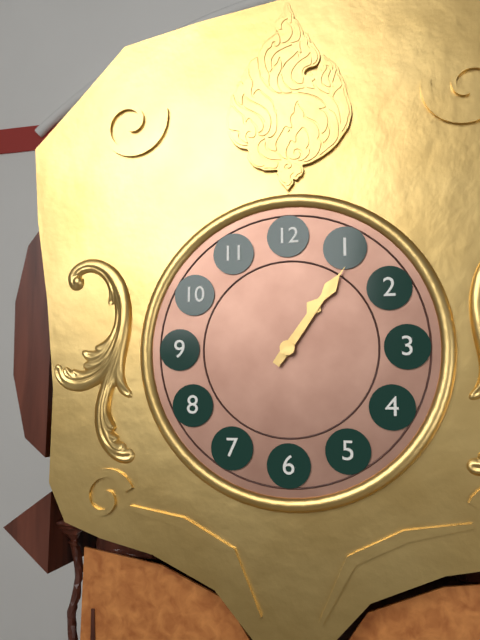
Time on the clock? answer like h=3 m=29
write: h=1 m=6
